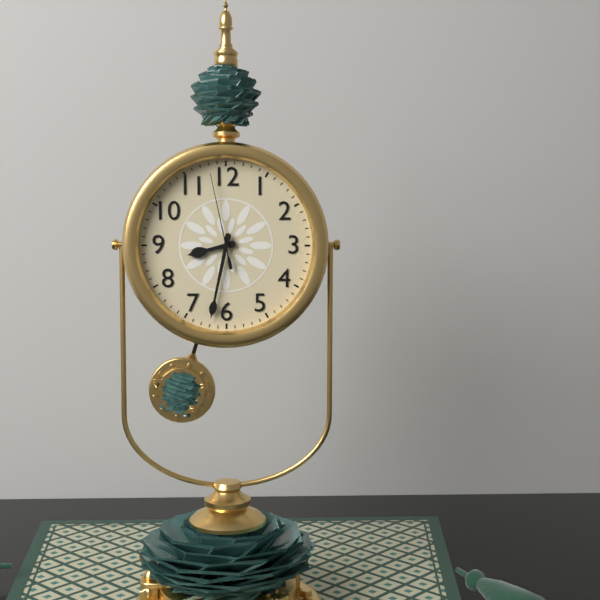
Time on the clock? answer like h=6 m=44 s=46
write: h=8 m=32 s=58
